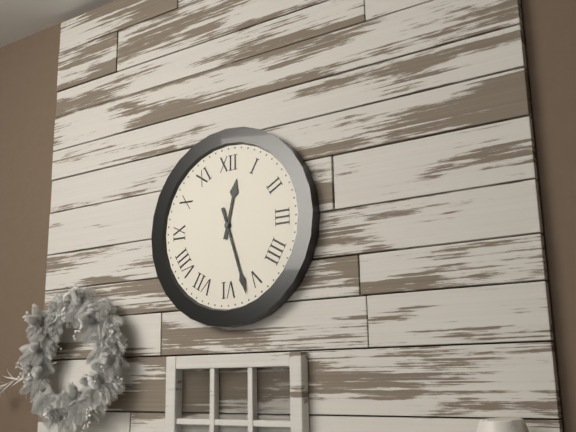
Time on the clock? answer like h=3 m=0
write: h=12 m=27
